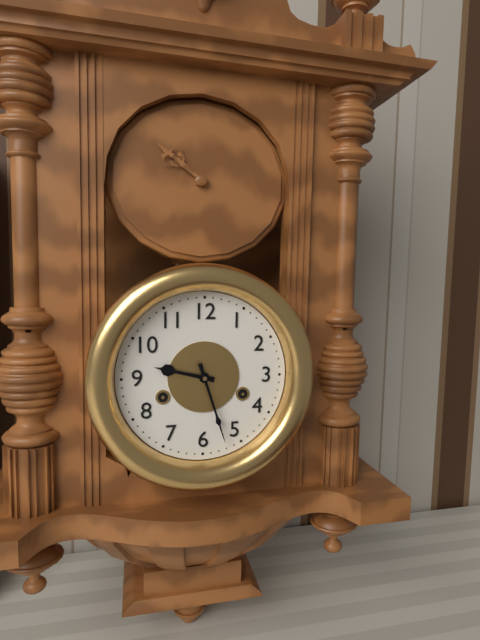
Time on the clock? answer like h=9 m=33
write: h=9 m=27
